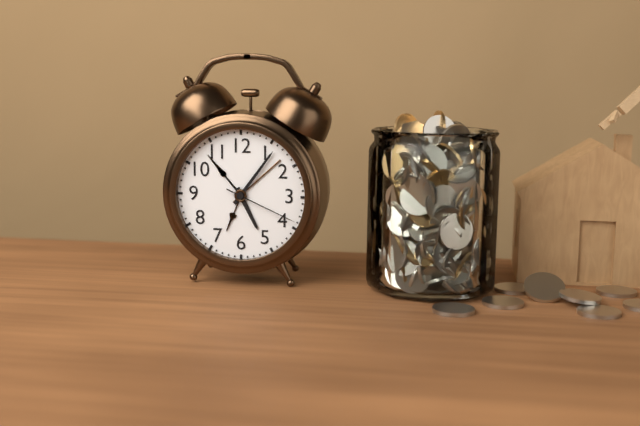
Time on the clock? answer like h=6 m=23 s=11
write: h=5 m=6 s=19
